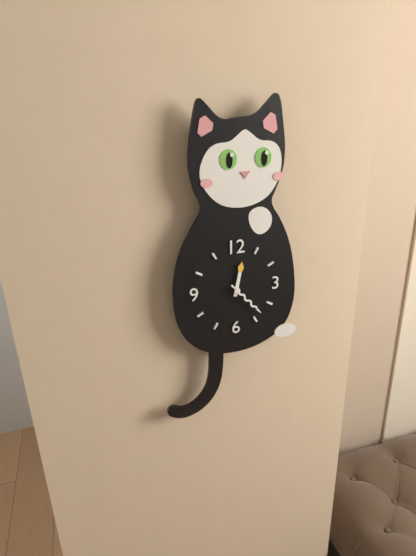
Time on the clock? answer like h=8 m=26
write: h=12 m=23
